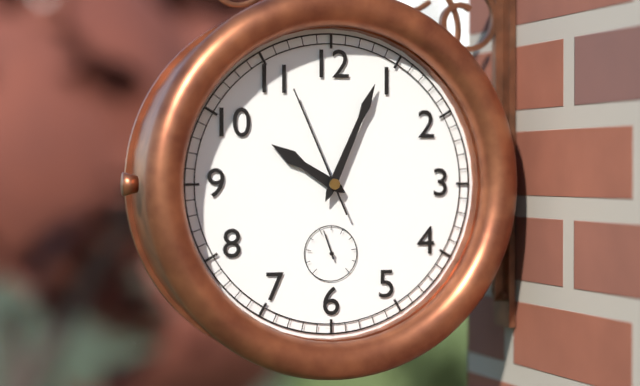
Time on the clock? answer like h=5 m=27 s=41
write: h=10 m=4 s=56
